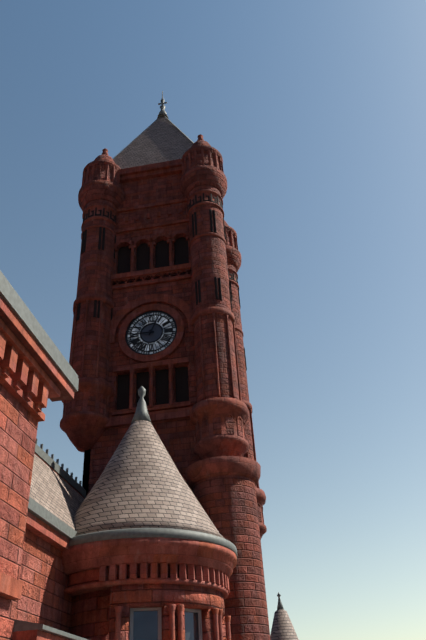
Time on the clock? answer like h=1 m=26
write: h=9 m=4
